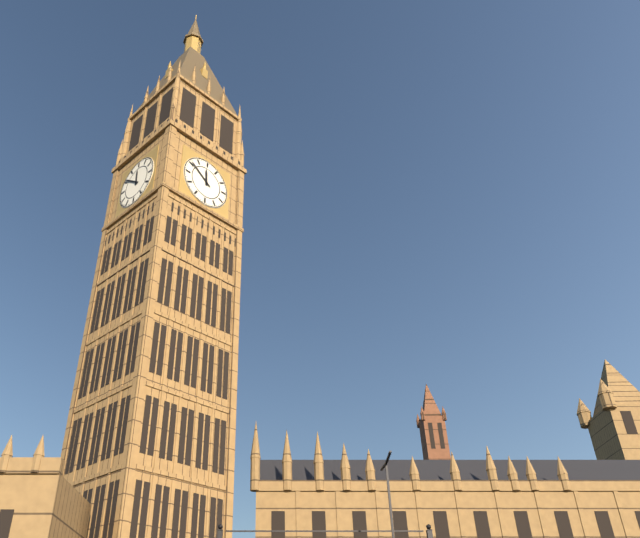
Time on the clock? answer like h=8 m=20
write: h=11 m=51
